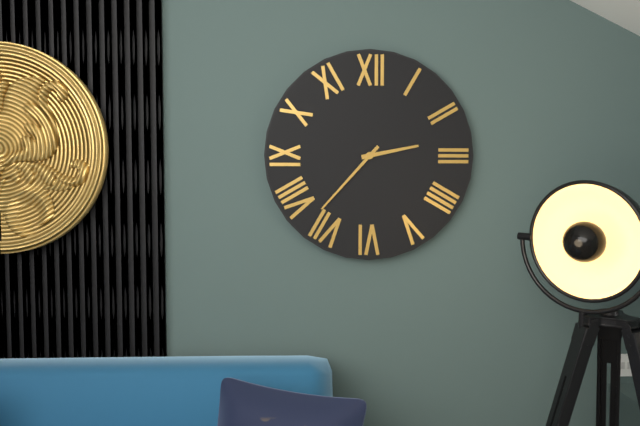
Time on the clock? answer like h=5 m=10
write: h=2 m=37
